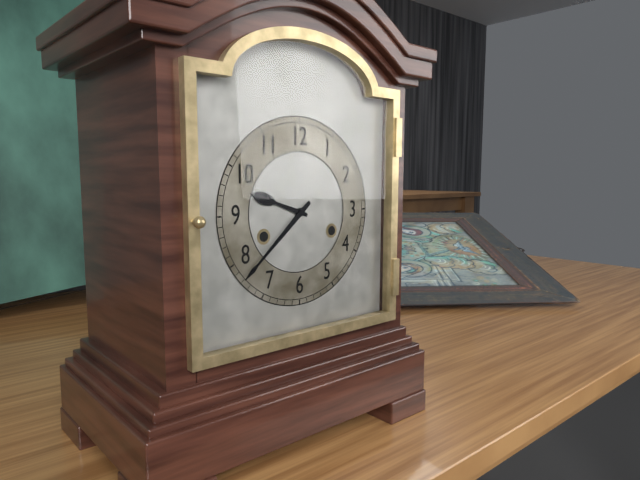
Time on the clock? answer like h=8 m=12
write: h=9 m=38
